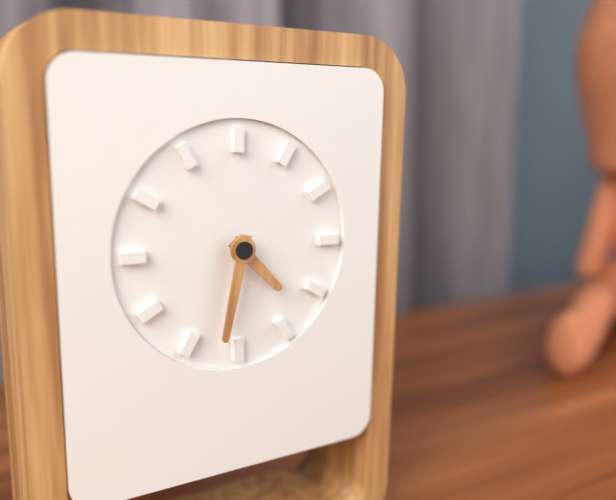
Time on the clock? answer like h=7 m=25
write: h=4 m=32
